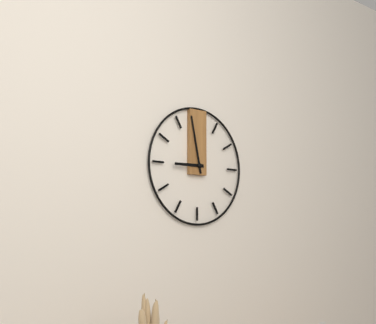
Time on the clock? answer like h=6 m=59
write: h=8 m=58
